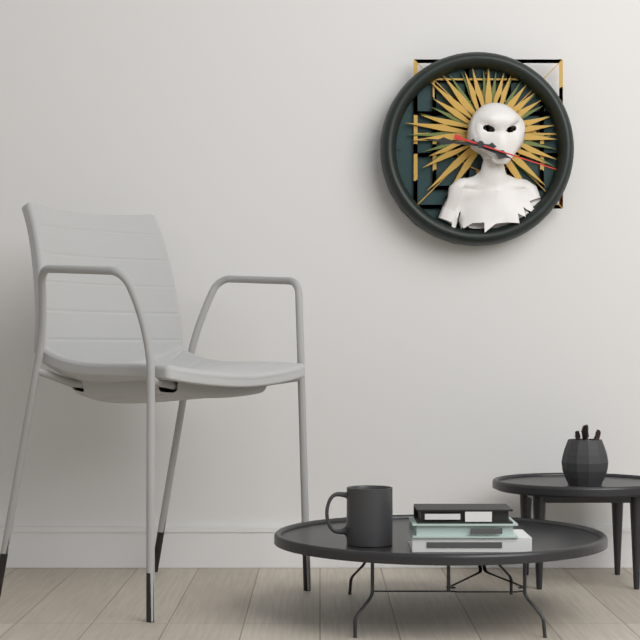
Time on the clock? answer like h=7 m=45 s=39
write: h=3 m=46 s=18
